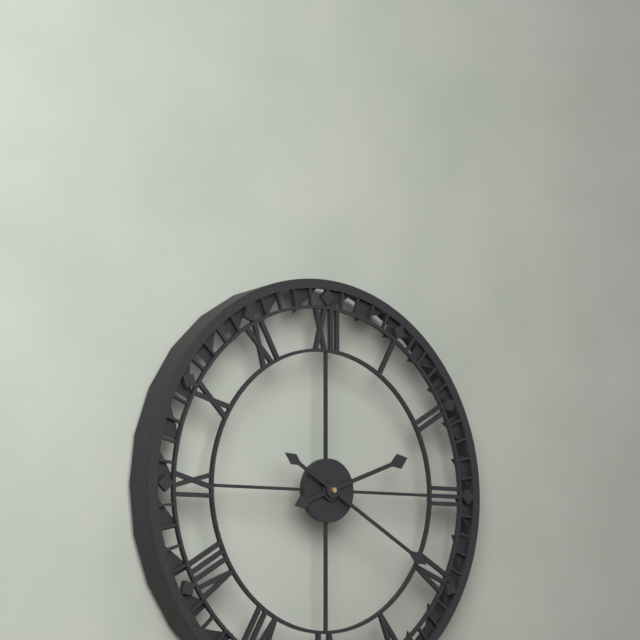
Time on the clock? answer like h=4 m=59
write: h=2 m=20
